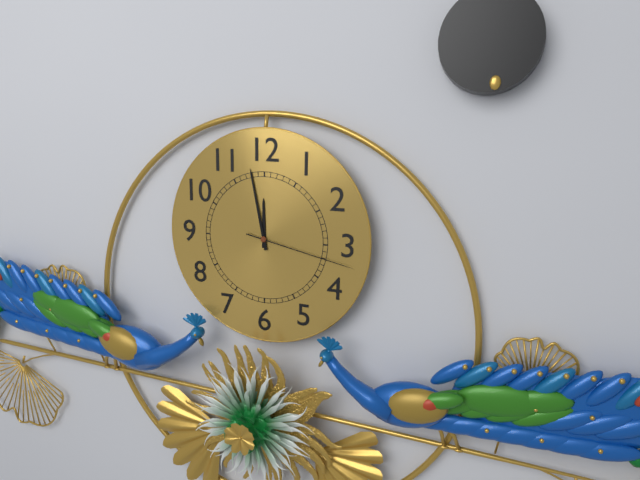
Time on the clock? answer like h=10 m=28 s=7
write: h=11 m=58 s=17
